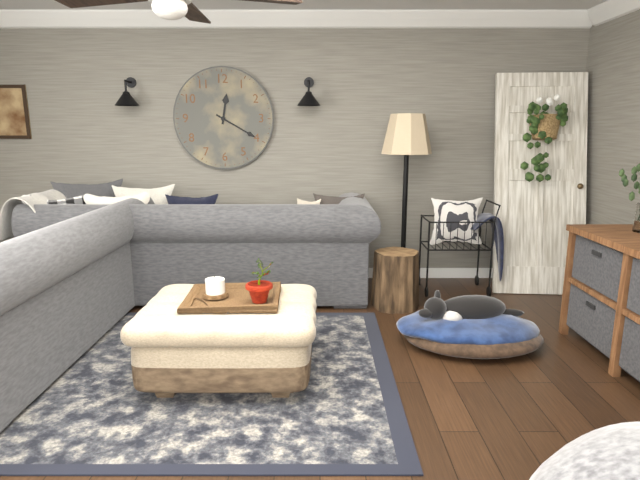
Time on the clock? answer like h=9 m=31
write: h=12 m=20
